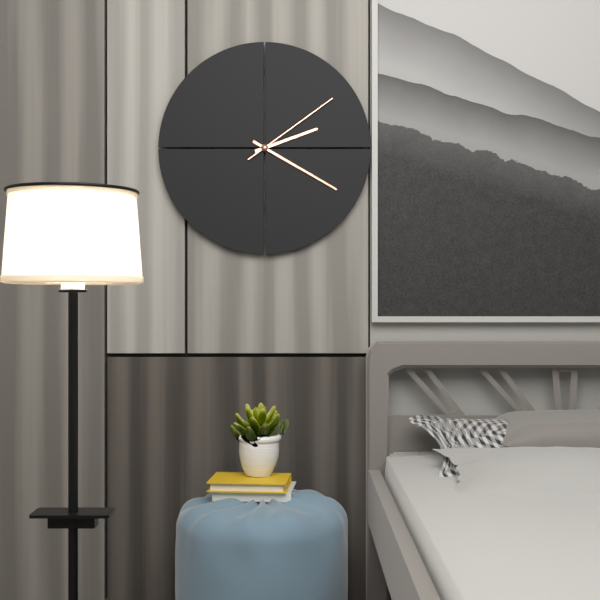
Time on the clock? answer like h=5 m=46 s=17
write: h=2 m=20 s=9
